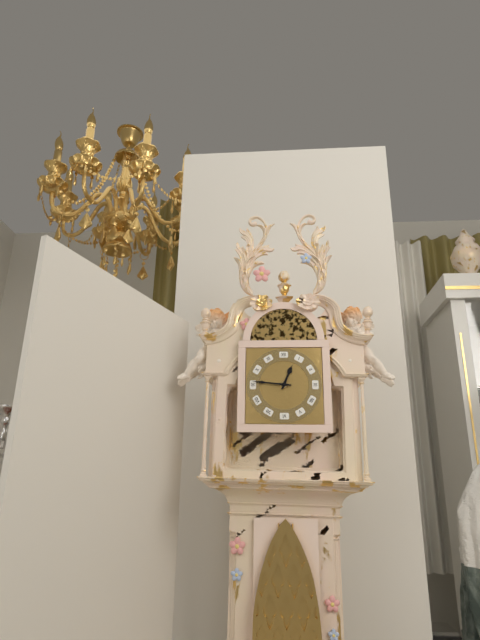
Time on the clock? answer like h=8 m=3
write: h=12 m=46
